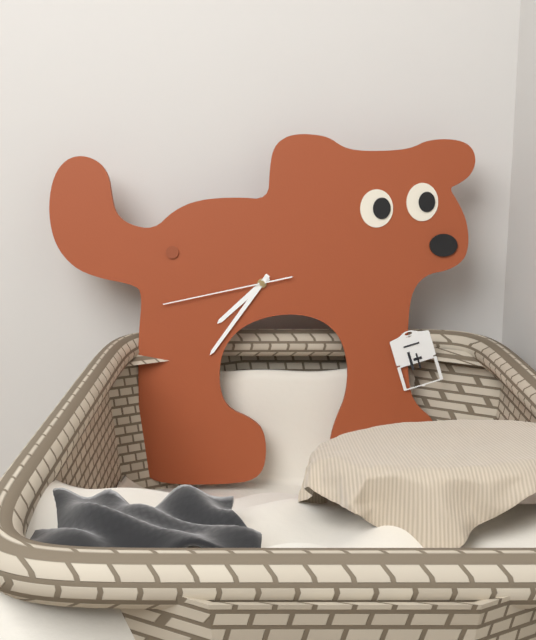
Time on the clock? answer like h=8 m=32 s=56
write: h=7 m=36 s=43
